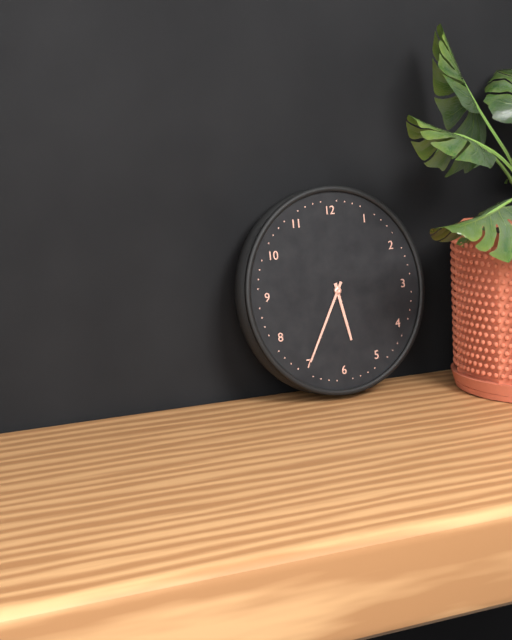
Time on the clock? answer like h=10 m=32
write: h=5 m=35
